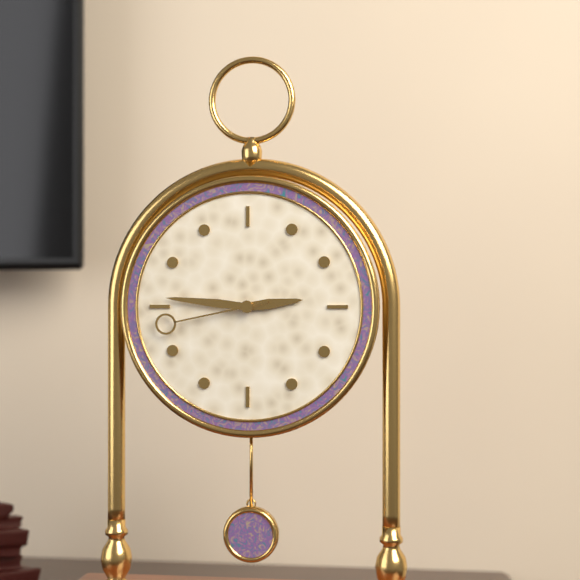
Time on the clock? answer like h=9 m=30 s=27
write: h=2 m=46 s=43
